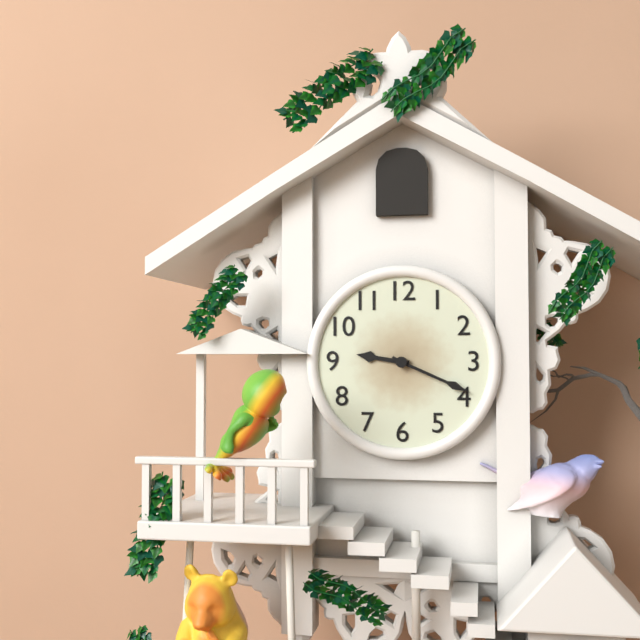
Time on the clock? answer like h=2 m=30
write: h=9 m=19
